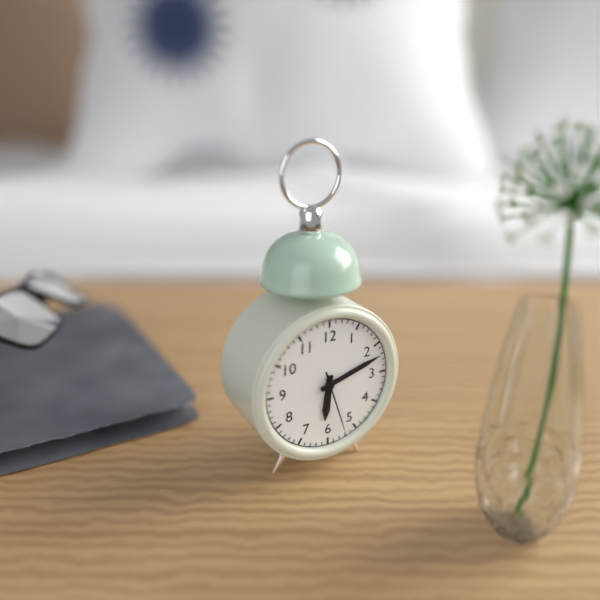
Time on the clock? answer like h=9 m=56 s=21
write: h=6 m=12 s=27
